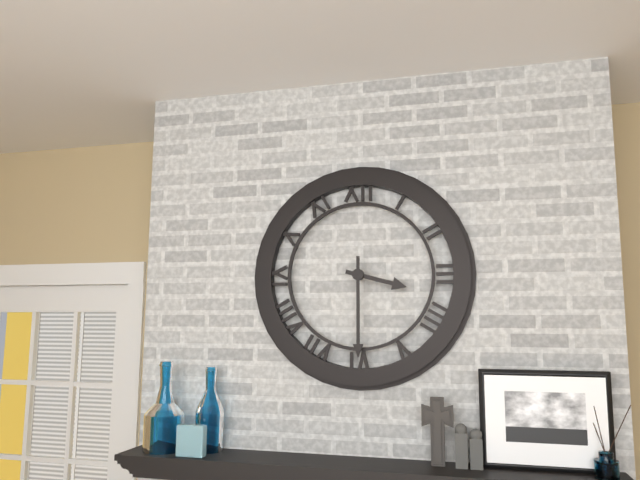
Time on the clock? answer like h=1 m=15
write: h=3 m=30
